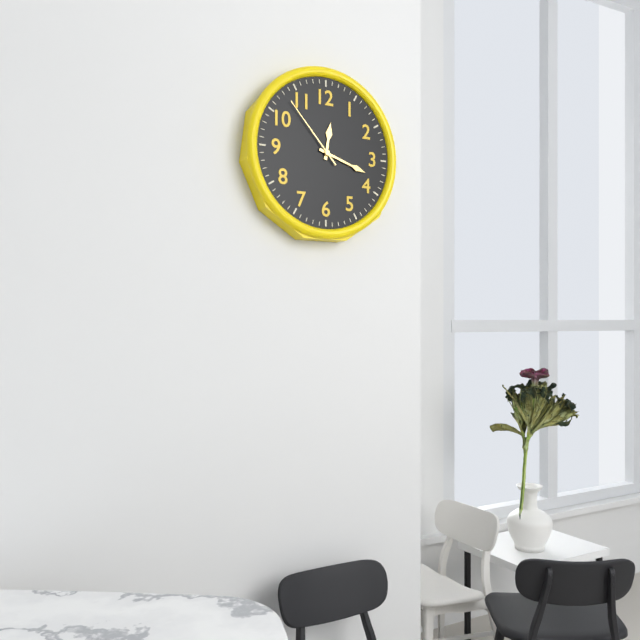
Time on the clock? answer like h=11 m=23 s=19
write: h=12 m=18 s=53
